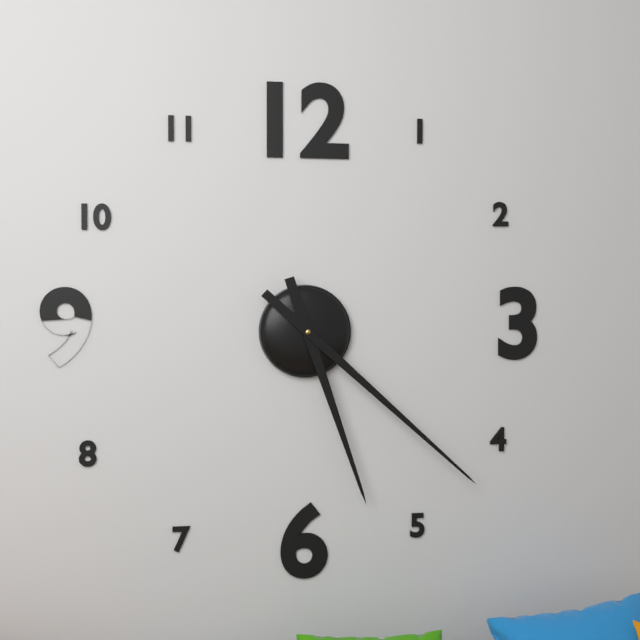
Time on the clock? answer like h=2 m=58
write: h=5 m=22
